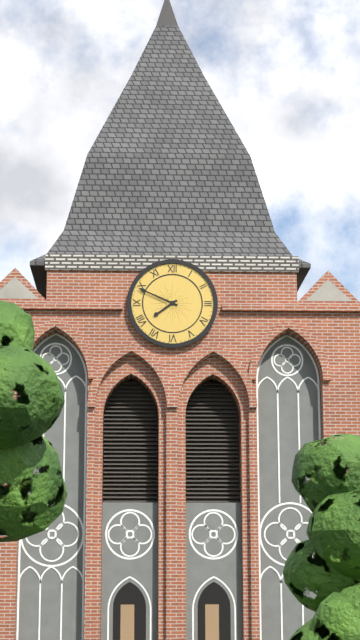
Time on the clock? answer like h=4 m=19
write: h=7 m=49
